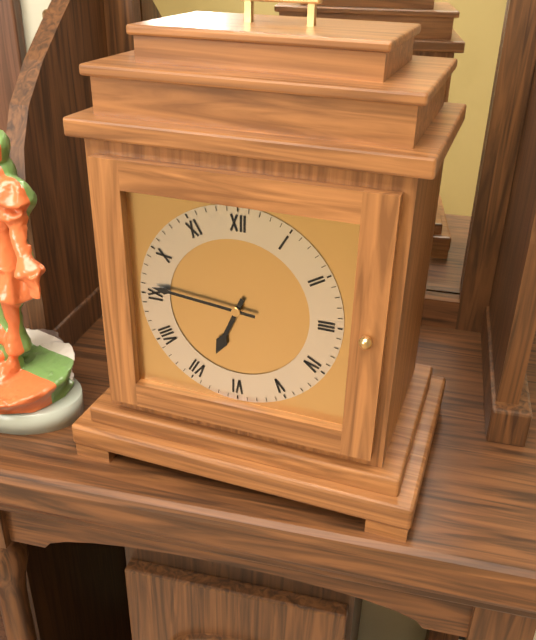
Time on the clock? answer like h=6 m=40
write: h=6 m=46
